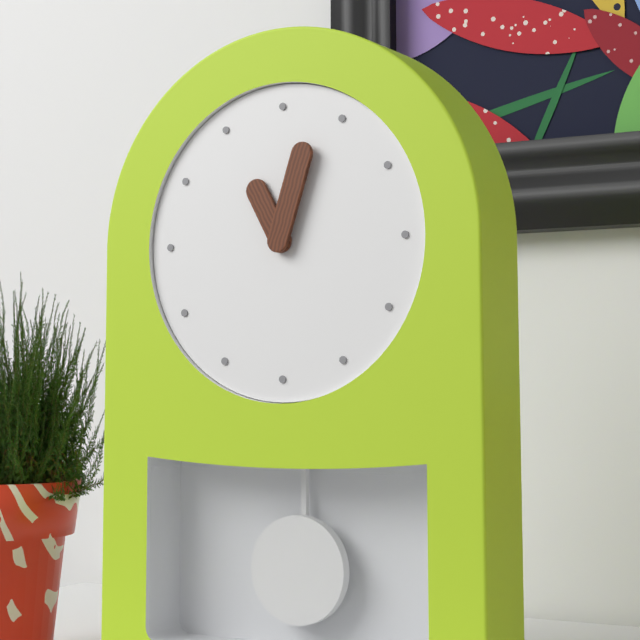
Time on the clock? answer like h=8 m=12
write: h=11 m=3
